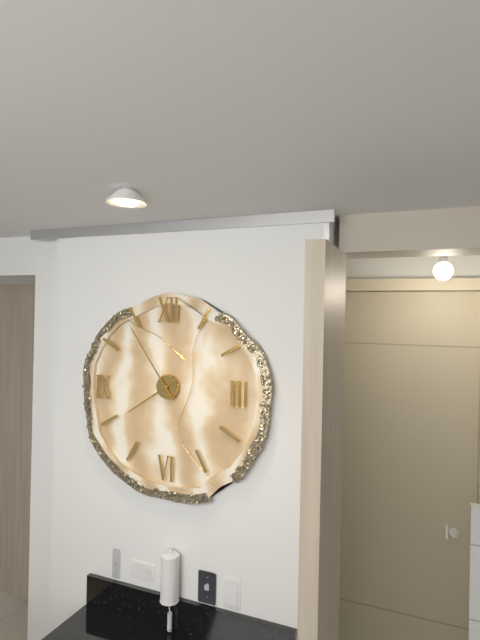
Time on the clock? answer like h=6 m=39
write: h=7 m=54
